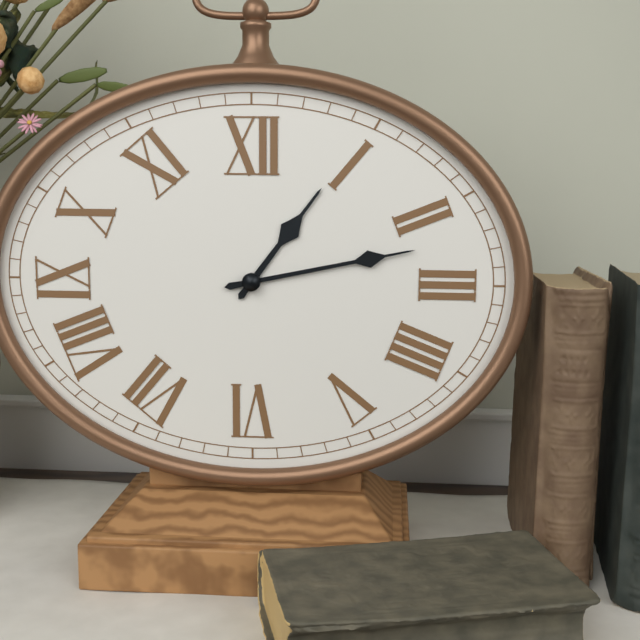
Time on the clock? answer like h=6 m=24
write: h=1 m=13
